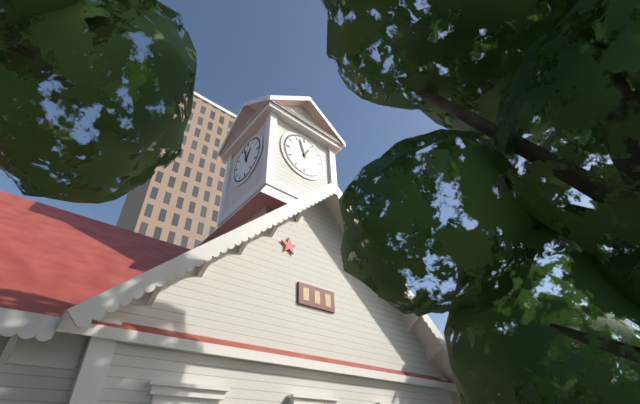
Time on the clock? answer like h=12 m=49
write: h=12 m=57
